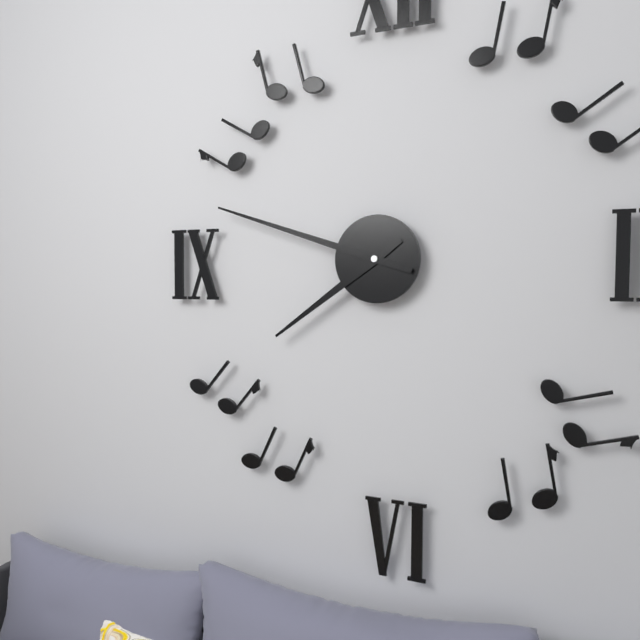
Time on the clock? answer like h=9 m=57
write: h=7 m=48
